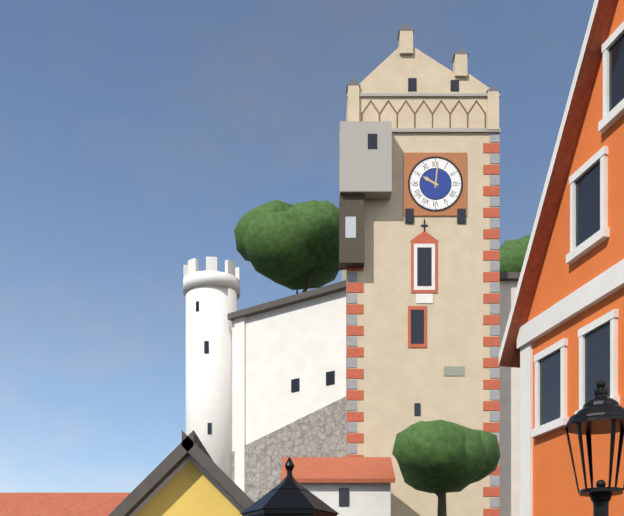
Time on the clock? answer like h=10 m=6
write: h=10 m=1
